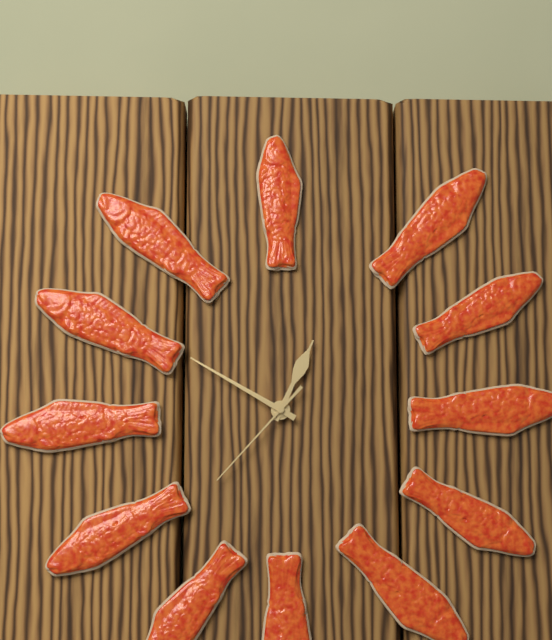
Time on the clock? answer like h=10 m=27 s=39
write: h=12 m=50 s=37
